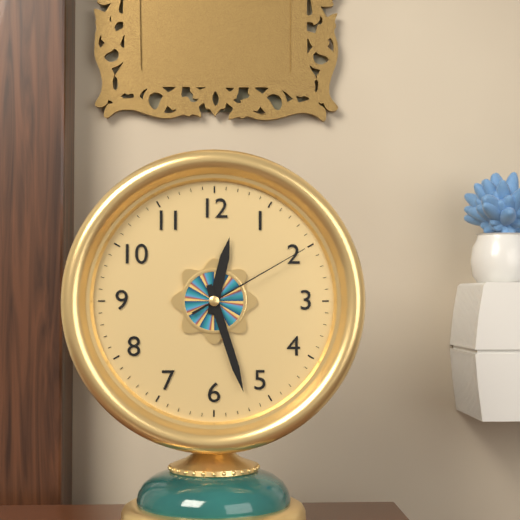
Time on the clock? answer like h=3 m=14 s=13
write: h=12 m=27 s=10
